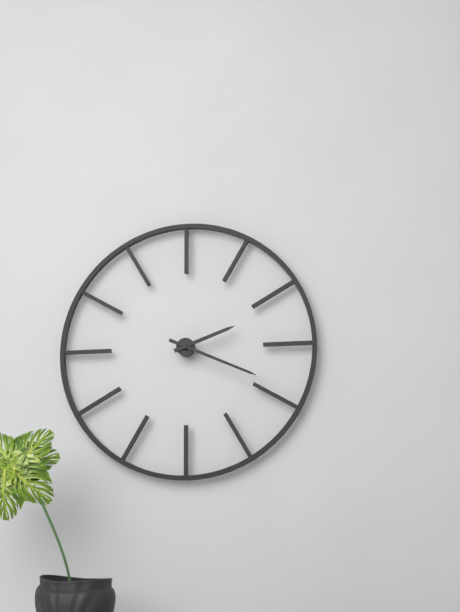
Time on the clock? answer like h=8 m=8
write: h=2 m=19
